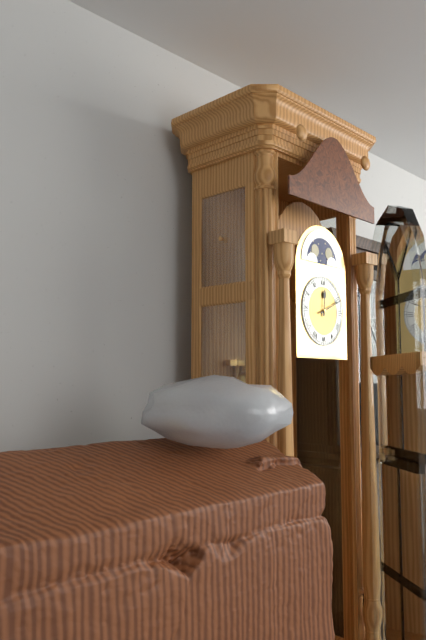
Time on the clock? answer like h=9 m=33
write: h=12 m=11
